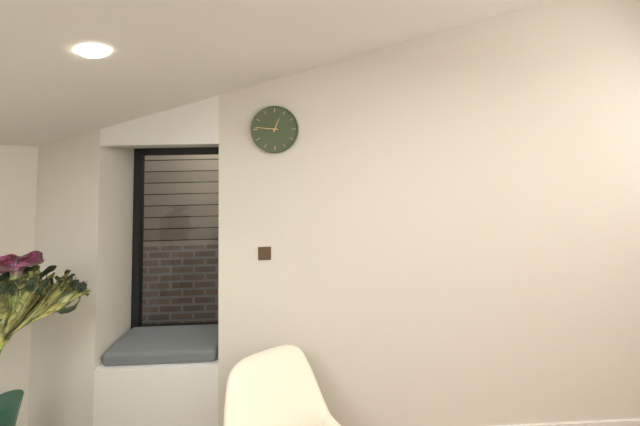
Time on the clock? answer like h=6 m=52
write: h=12 m=46
